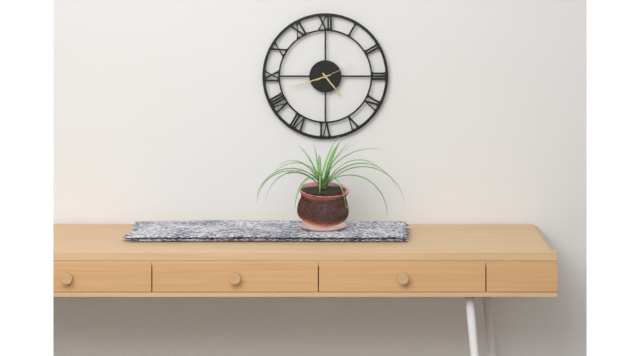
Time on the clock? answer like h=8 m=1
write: h=4 m=42
